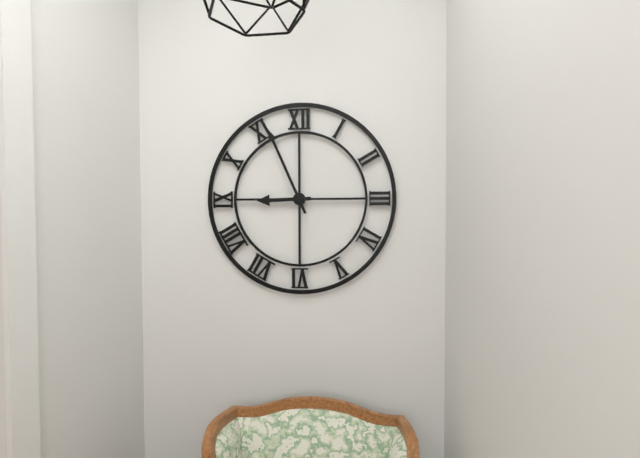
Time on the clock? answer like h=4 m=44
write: h=8 m=56
